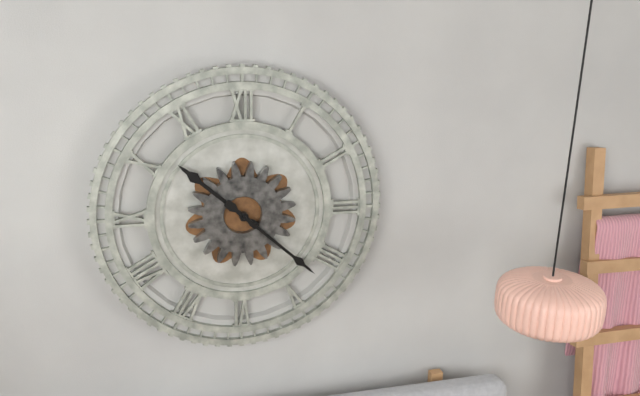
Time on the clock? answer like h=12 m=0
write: h=10 m=22
